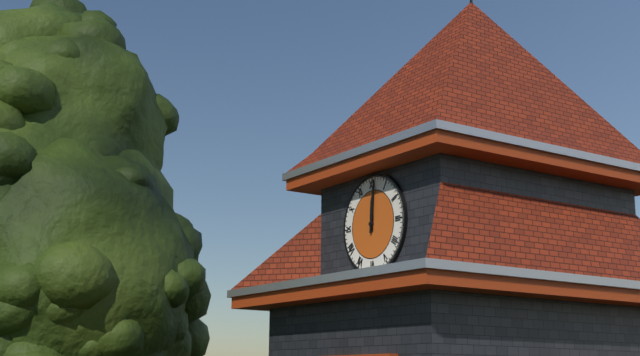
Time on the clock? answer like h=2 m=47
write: h=12 m=1
